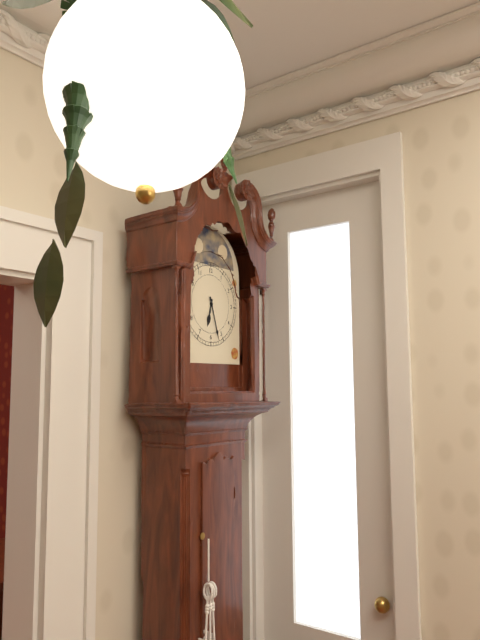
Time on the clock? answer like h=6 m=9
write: h=6 m=27
